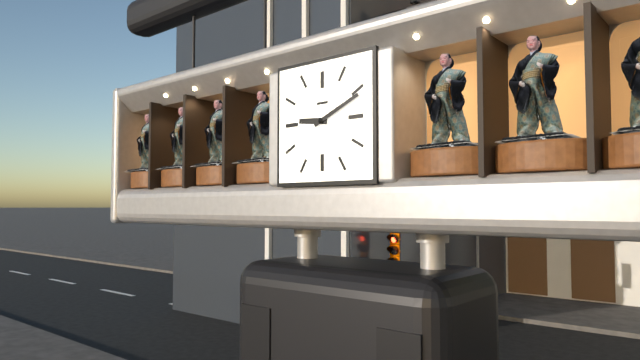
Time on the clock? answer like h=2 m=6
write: h=9 m=11
